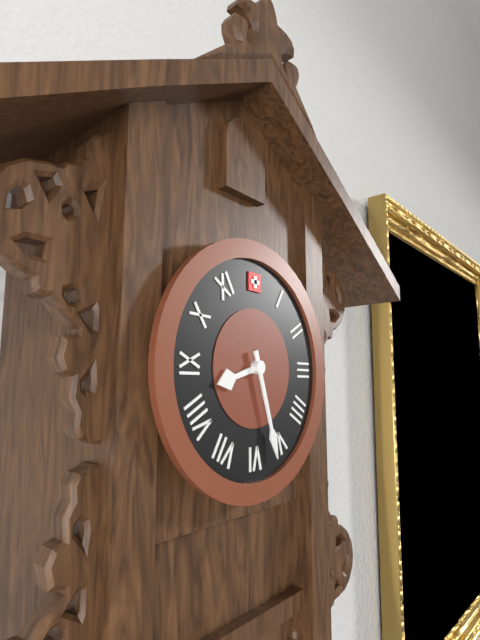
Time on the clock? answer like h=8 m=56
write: h=8 m=27
